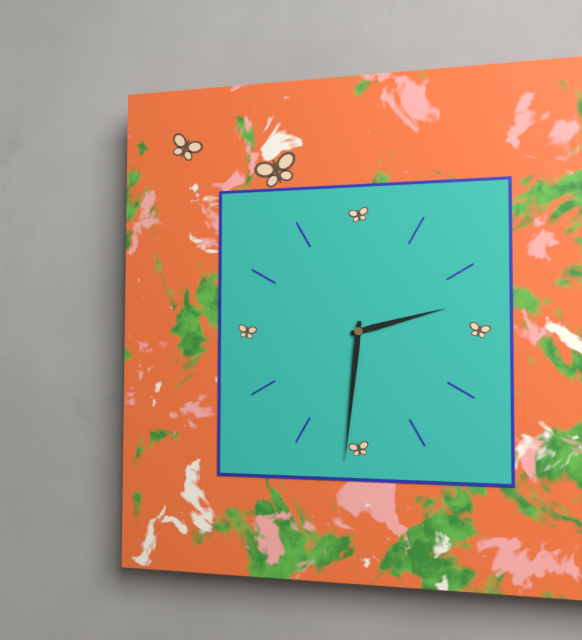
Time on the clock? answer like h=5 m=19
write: h=2 m=31
